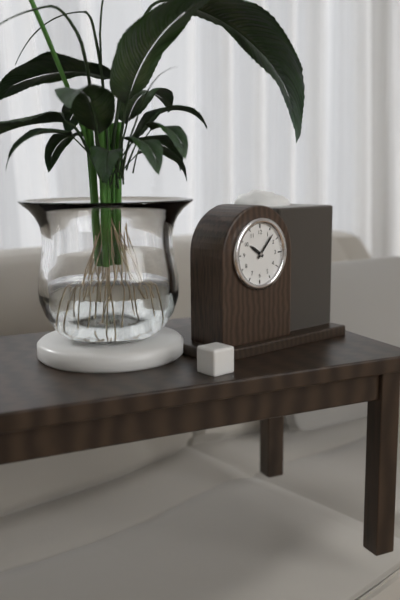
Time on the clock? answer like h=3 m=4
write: h=10 m=7
